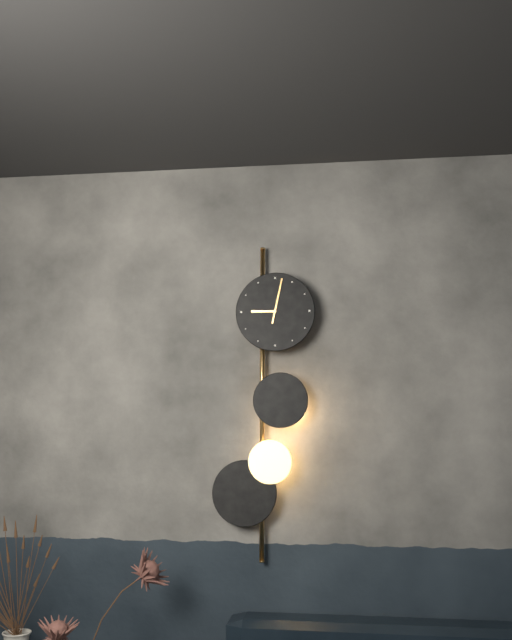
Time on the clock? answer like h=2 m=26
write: h=9 m=2
